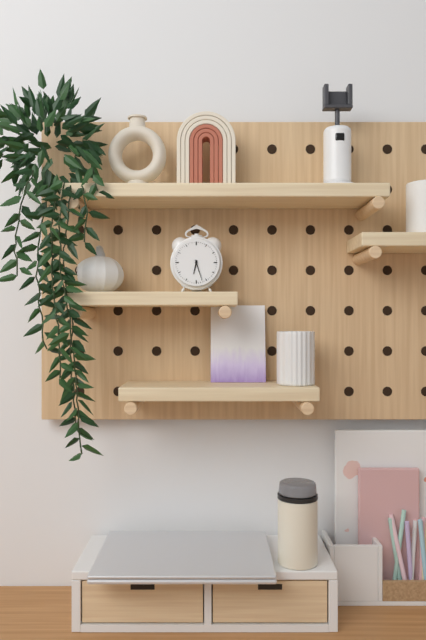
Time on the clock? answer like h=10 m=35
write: h=6 m=27
